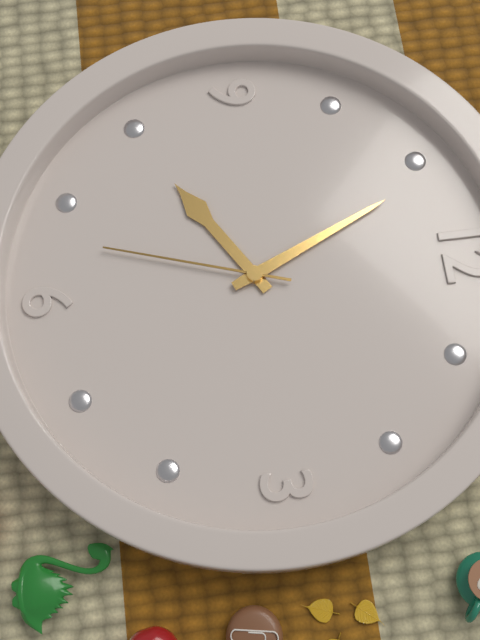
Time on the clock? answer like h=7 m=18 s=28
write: h=7 m=56 s=33
